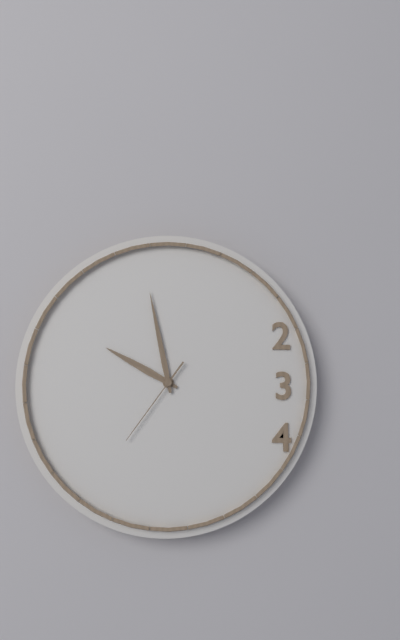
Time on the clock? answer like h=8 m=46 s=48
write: h=9 m=58 s=36
